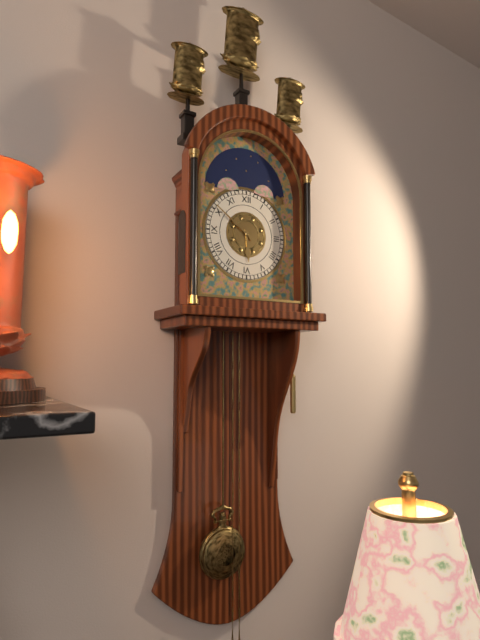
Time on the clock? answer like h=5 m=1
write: h=5 m=51
